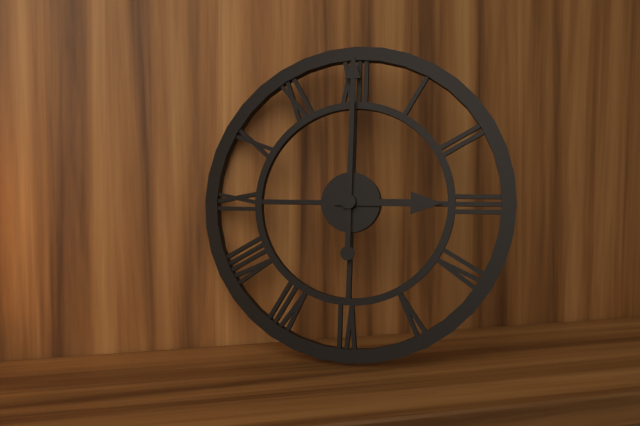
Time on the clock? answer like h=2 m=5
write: h=3 m=0
